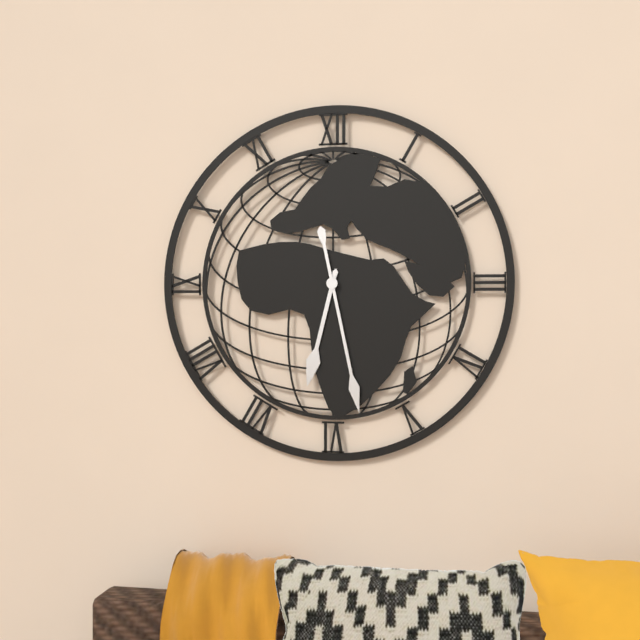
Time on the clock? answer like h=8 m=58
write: h=6 m=28
